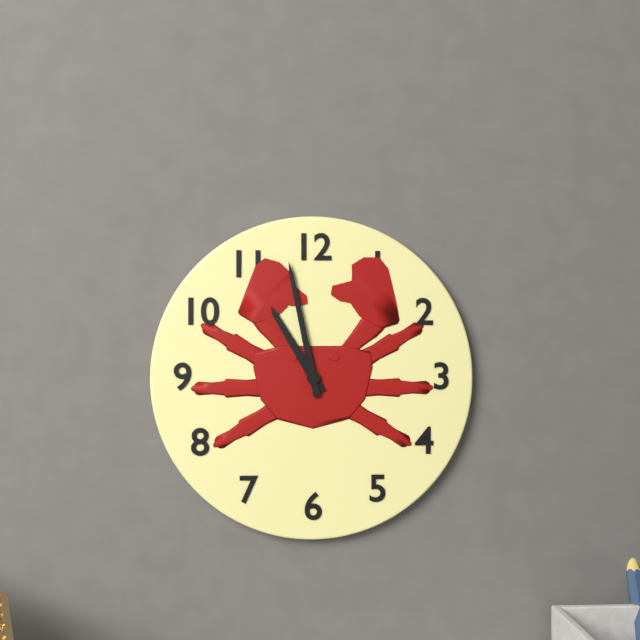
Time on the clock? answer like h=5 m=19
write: h=10 m=58
